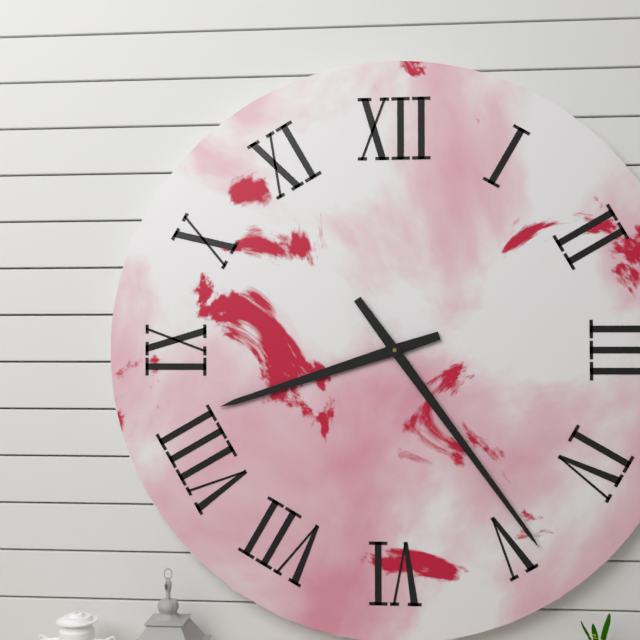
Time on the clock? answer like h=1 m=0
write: h=8 m=24
